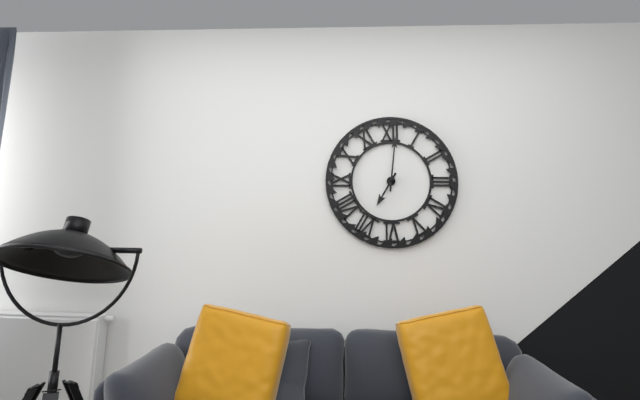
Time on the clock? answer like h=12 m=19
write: h=7 m=1
